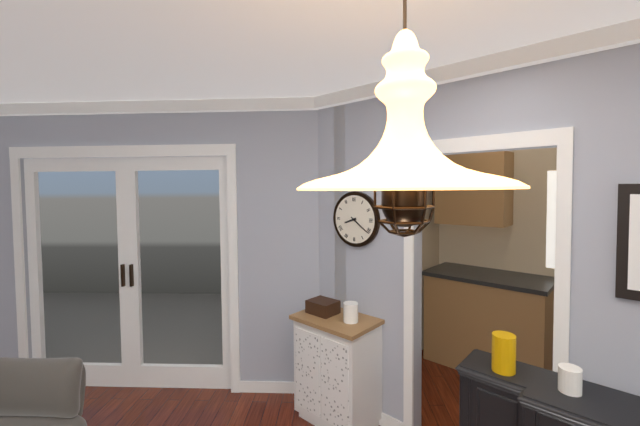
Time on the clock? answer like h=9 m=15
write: h=8 m=21
